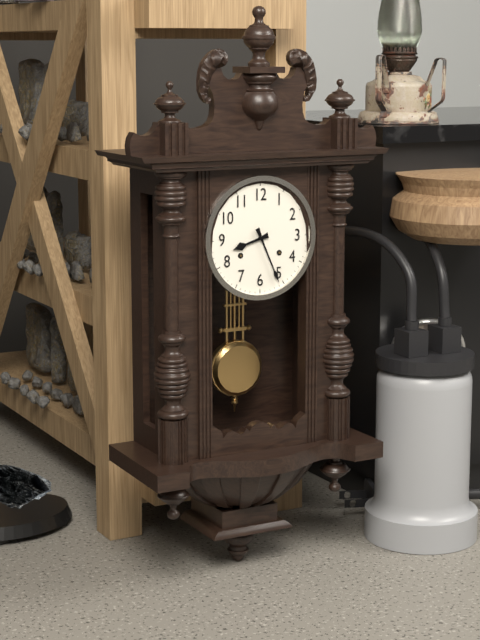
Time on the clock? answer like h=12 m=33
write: h=8 m=26
